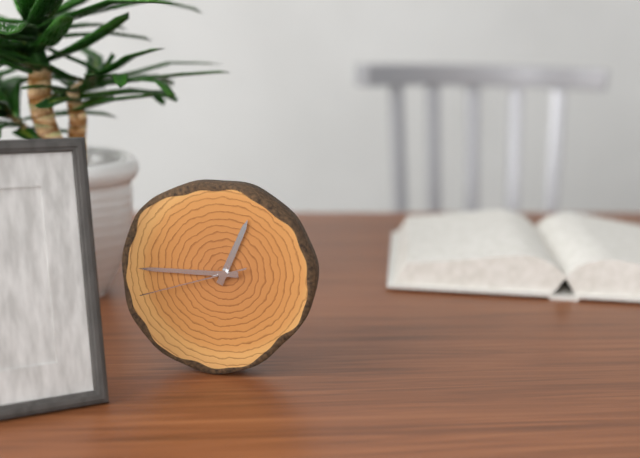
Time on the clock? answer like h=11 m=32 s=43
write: h=12 m=45 s=42
